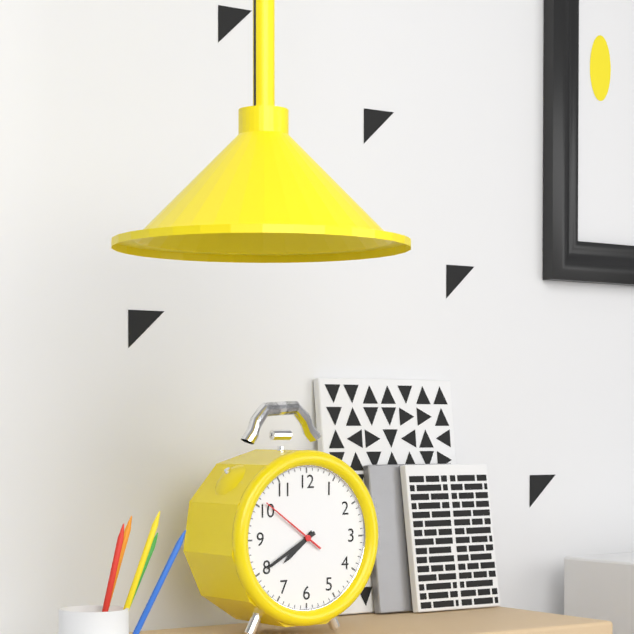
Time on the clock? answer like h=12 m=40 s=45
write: h=7 m=40 s=51
